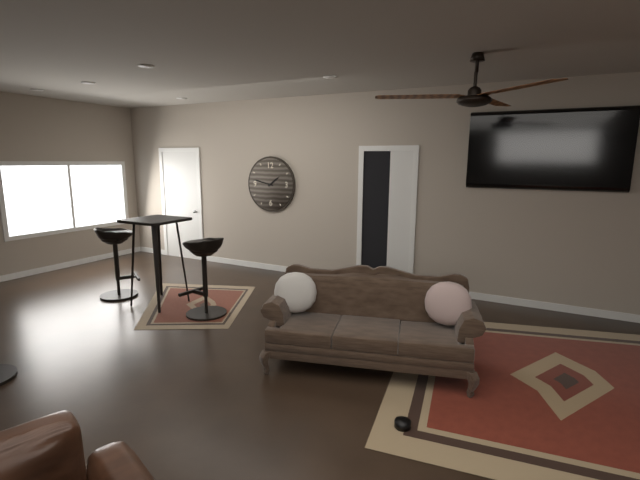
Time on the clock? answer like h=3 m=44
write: h=1 m=47
